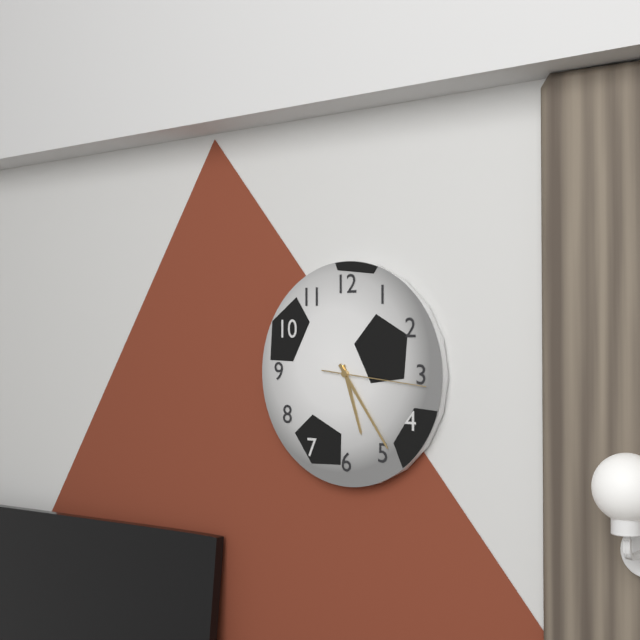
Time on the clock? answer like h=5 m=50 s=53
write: h=5 m=24 s=16
